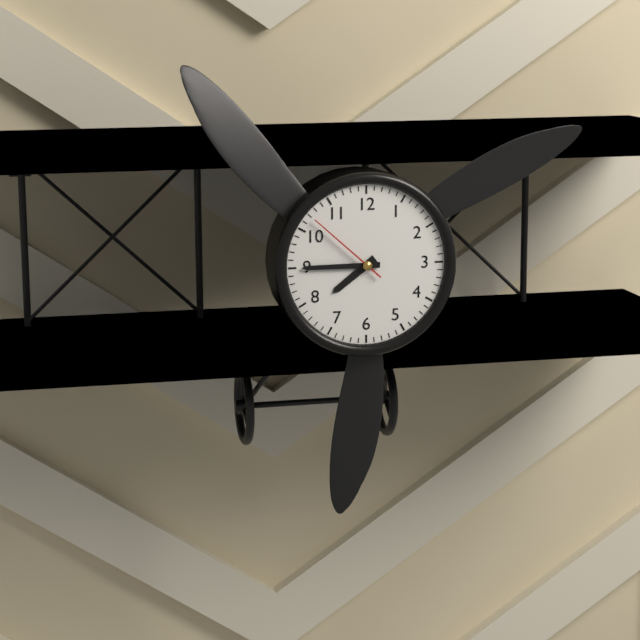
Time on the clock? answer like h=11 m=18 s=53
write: h=7 m=45 s=52
